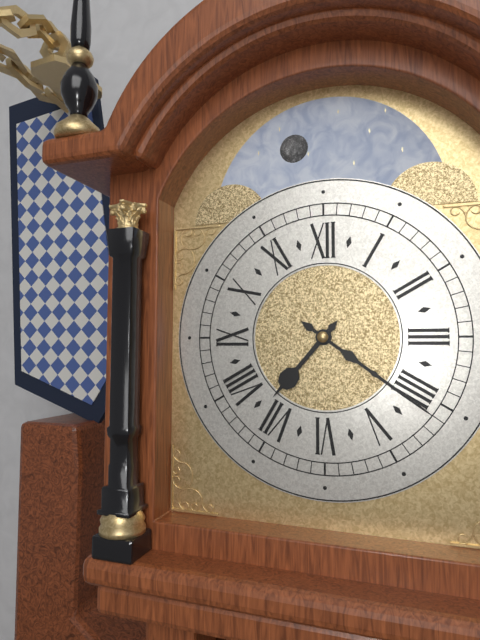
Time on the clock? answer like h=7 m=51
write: h=7 m=21
